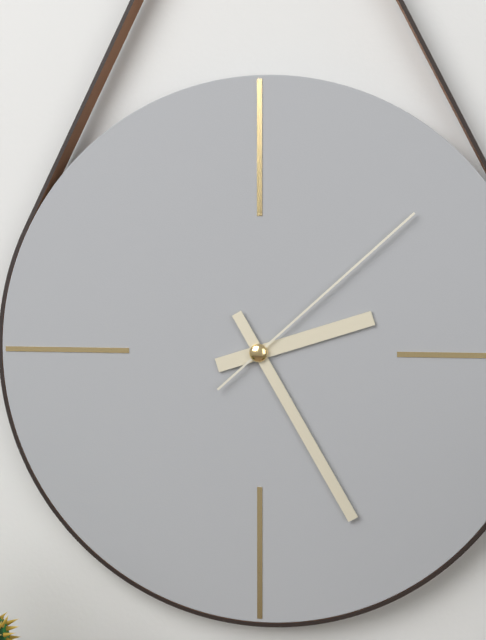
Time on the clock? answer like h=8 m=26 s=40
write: h=2 m=25 s=8
